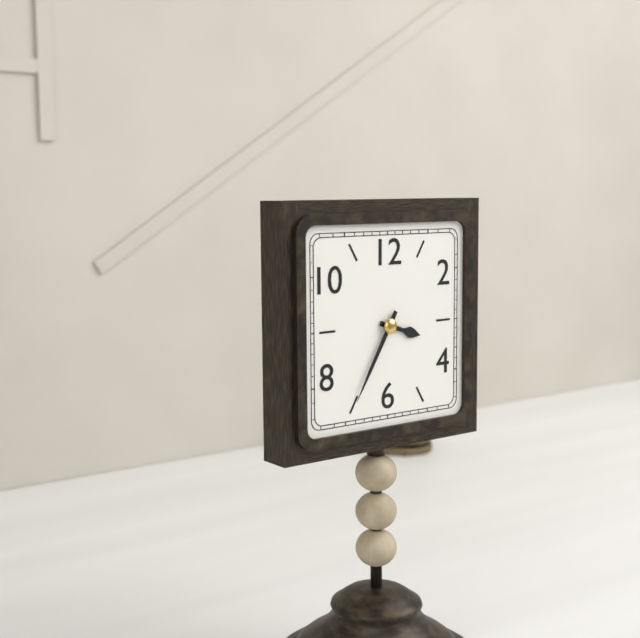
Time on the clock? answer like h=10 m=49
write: h=3 m=35
